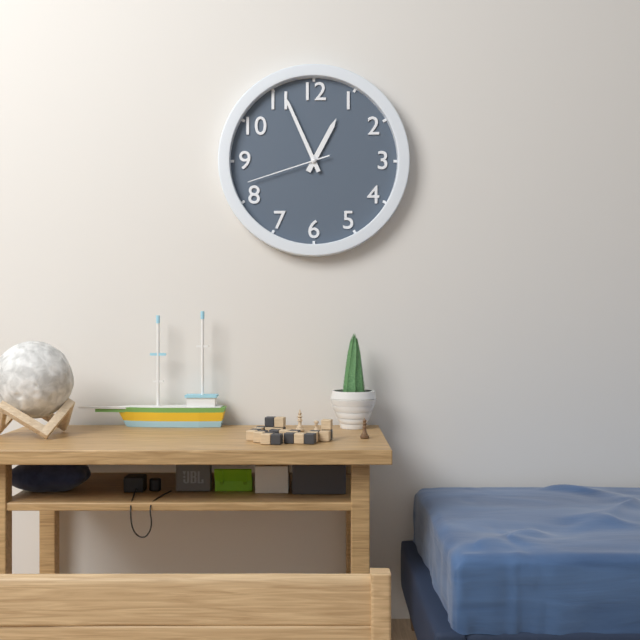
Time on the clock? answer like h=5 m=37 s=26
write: h=12 m=56 s=42
